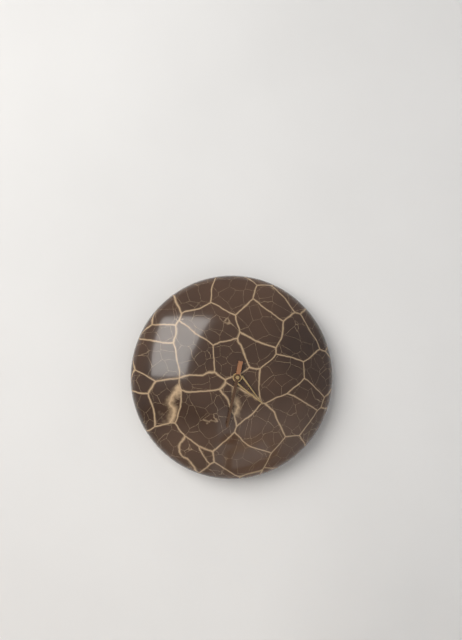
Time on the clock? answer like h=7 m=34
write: h=4 m=32
